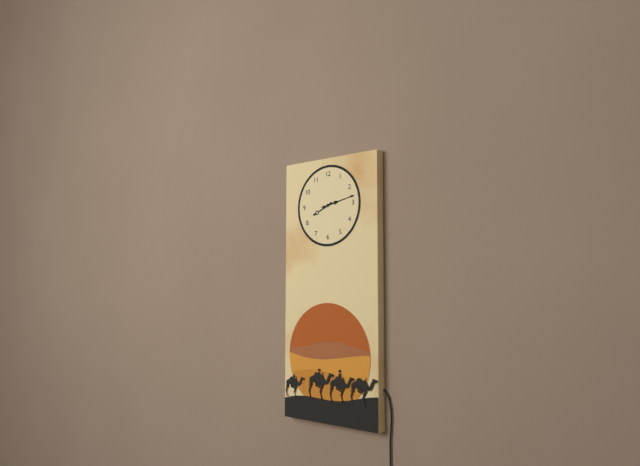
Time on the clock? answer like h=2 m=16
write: h=8 m=13
